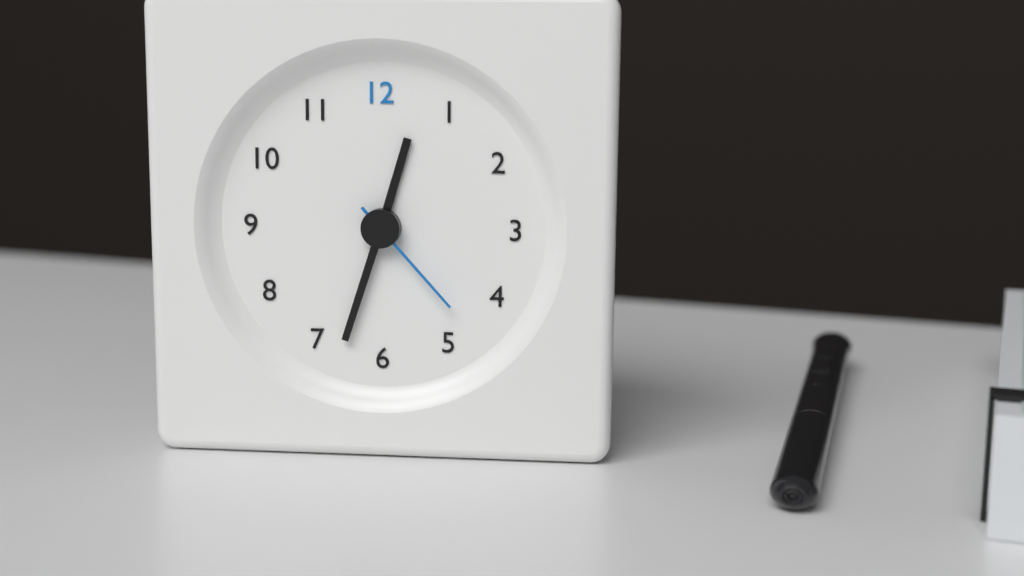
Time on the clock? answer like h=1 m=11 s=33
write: h=12 m=33 s=23
